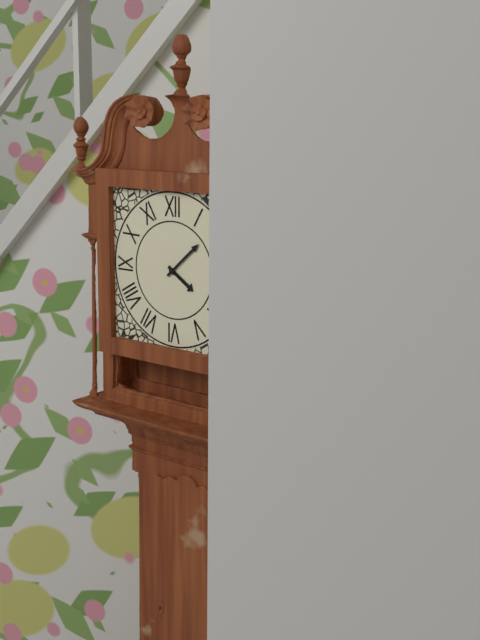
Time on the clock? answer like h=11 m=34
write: h=4 m=8
